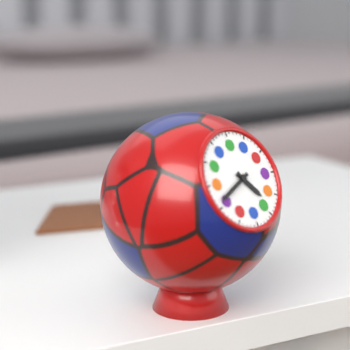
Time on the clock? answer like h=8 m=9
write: h=4 m=41
